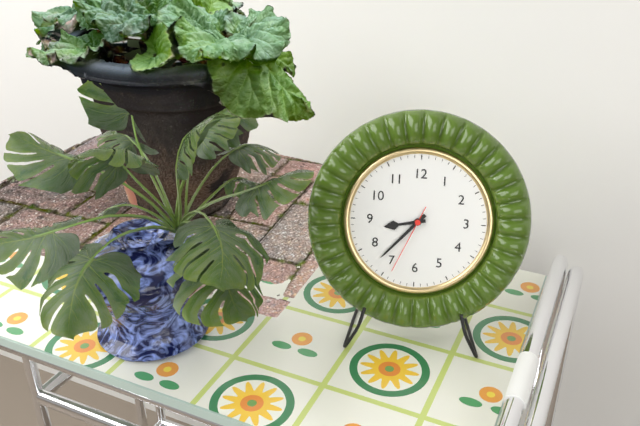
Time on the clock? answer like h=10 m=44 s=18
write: h=8 m=37 s=34
